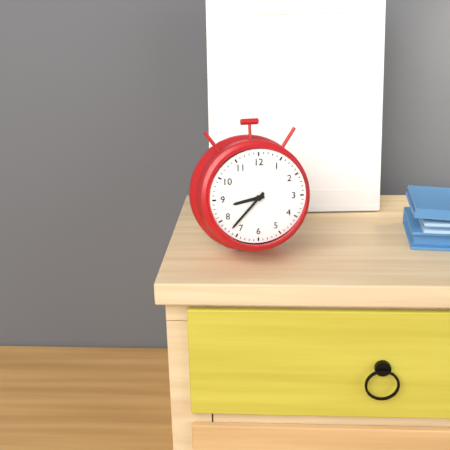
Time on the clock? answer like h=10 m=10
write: h=8 m=37
